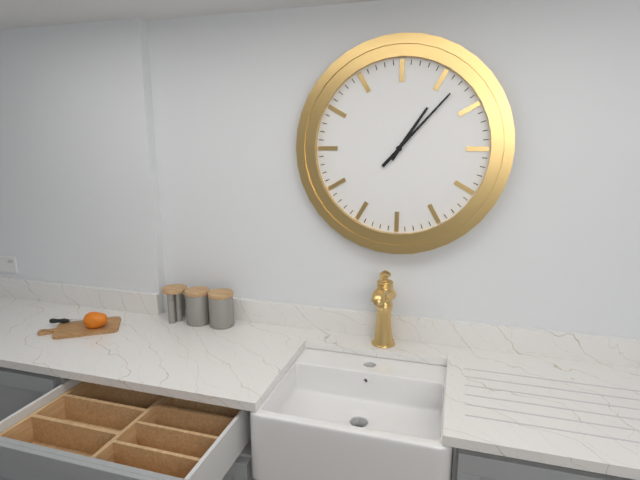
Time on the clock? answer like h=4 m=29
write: h=1 m=7
